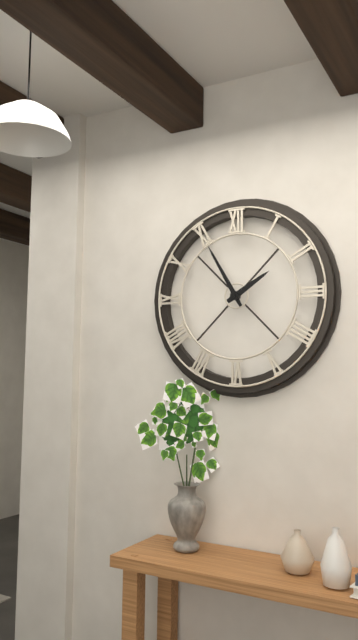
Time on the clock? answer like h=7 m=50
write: h=1 m=55
